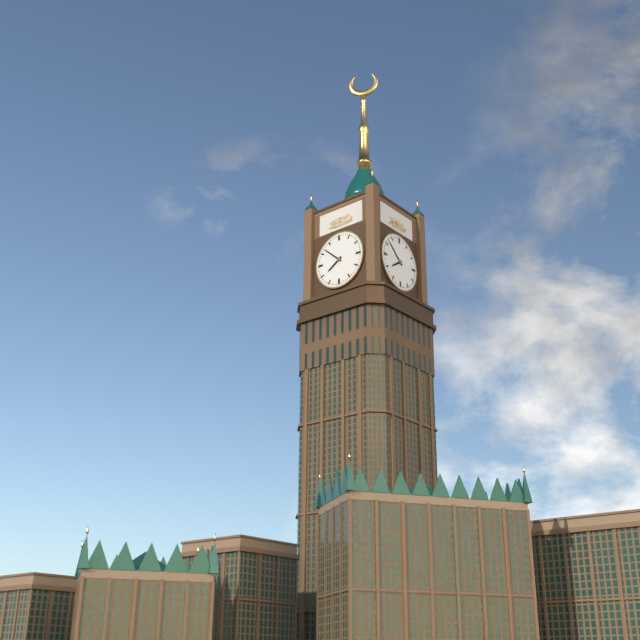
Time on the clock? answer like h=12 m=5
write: h=7 m=52
